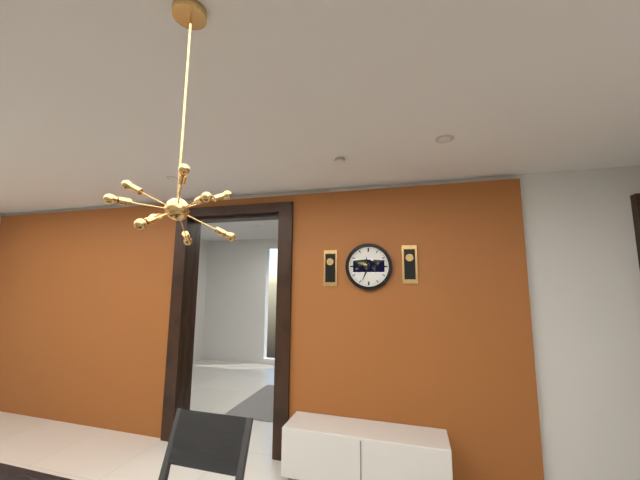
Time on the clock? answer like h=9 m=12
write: h=11 m=34
